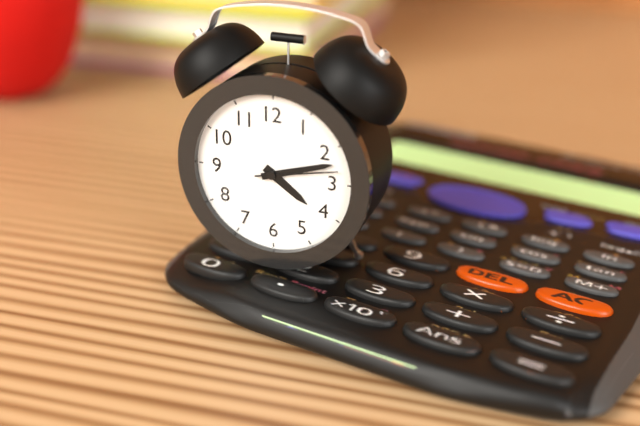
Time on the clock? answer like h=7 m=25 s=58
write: h=4 m=12 s=13
